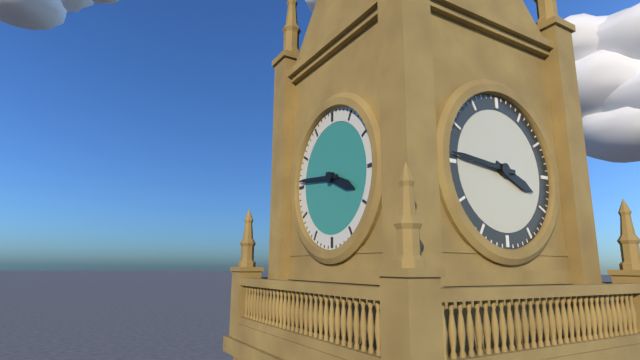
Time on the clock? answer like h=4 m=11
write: h=3 m=46
